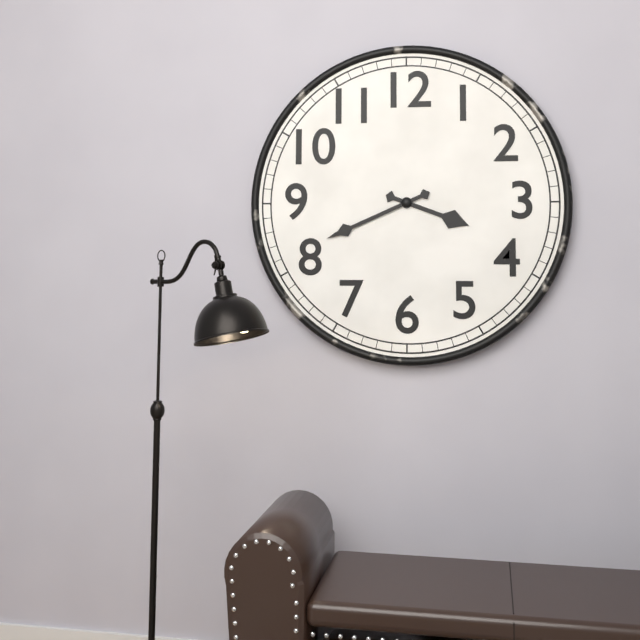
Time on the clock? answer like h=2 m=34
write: h=3 m=41
